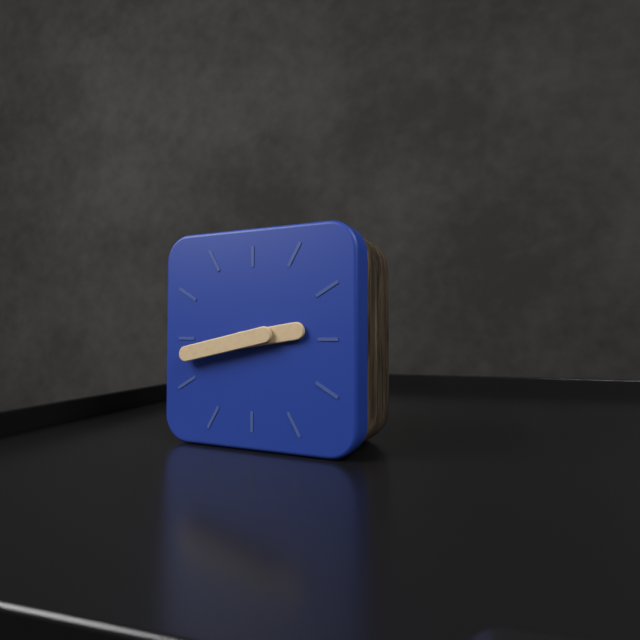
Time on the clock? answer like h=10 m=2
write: h=2 m=43
